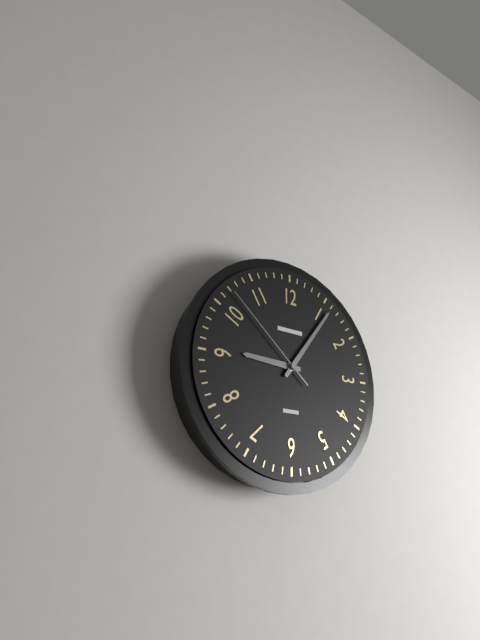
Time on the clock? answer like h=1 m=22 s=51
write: h=9 m=6 s=52
